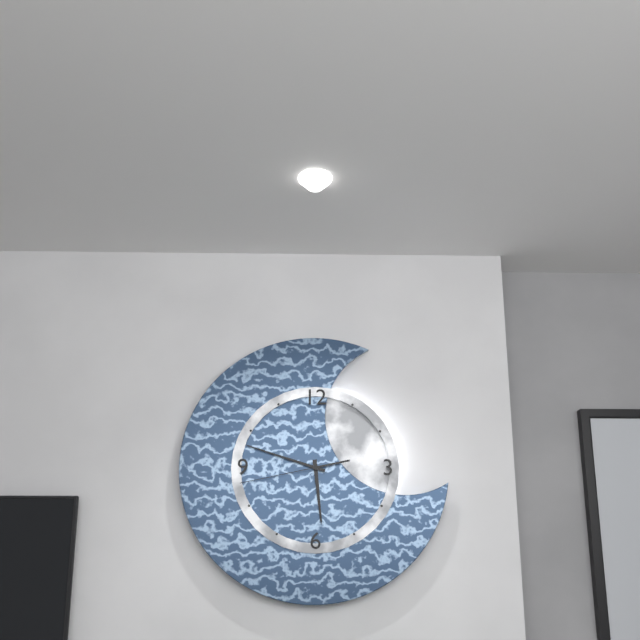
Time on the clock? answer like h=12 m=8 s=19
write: h=5 m=48 s=43
